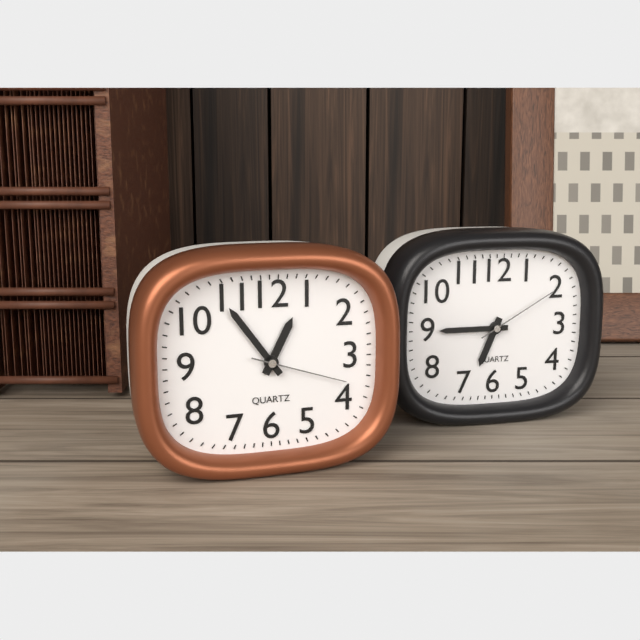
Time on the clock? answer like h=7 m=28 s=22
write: h=12 m=54 s=18
